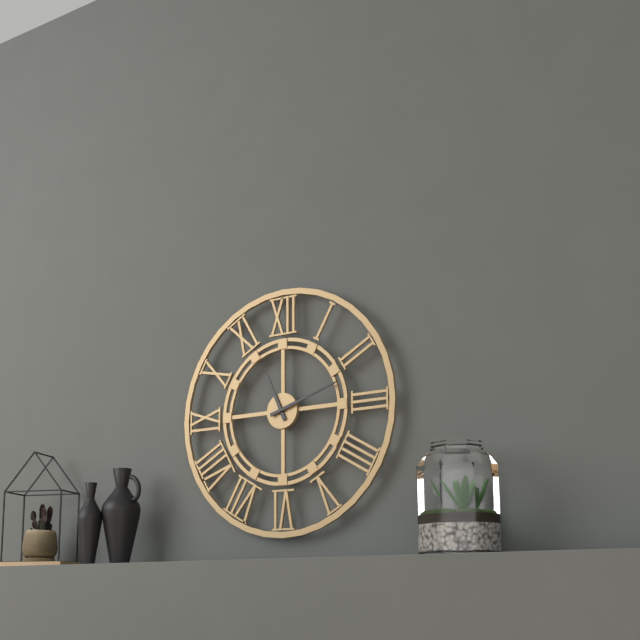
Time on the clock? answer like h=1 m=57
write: h=11 m=12
